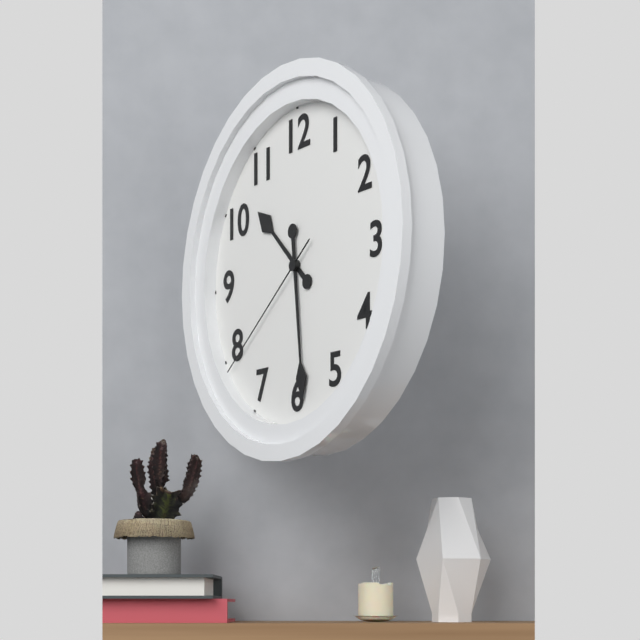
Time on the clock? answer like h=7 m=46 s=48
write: h=10 m=29 s=39
